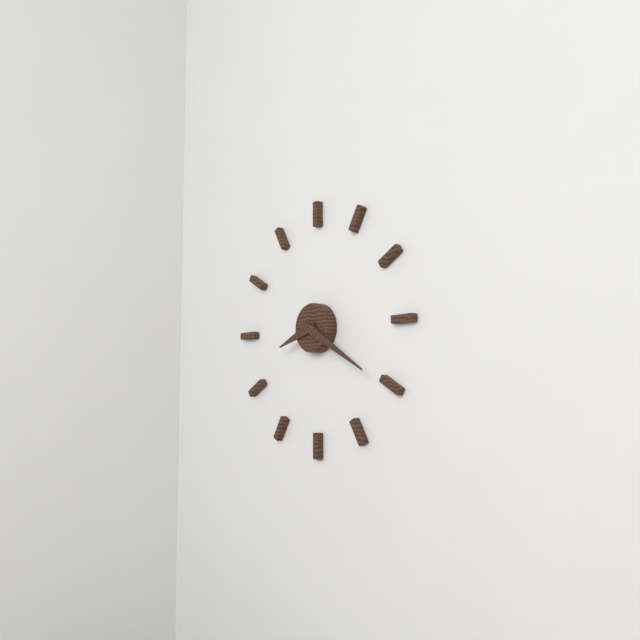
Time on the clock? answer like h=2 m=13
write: h=8 m=20
